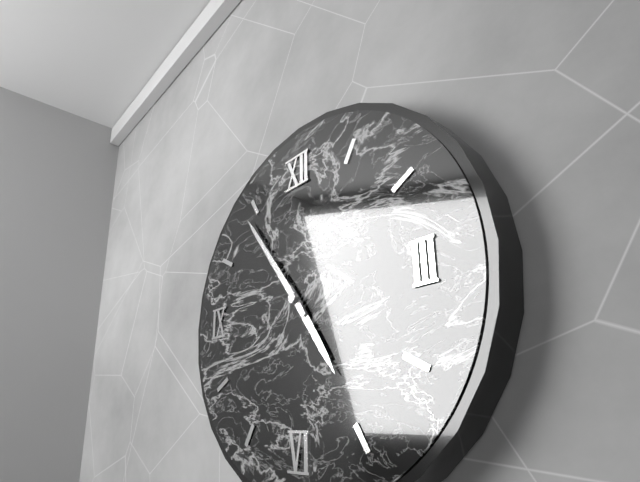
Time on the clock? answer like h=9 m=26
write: h=4 m=54
